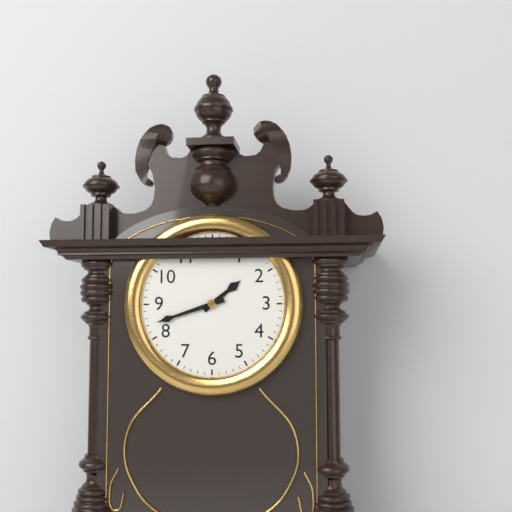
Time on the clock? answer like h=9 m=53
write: h=1 m=42
